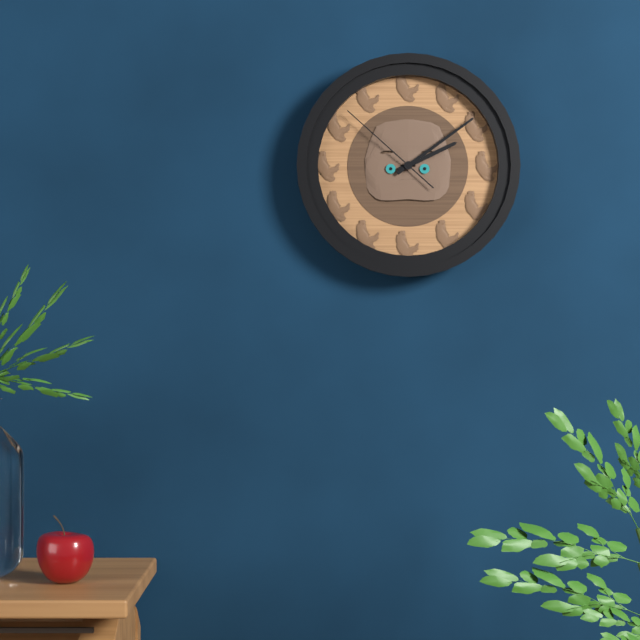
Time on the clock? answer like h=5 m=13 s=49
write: h=2 m=9 s=52
